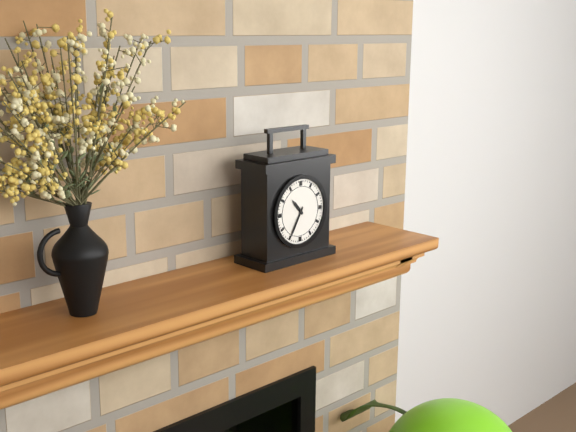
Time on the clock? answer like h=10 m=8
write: h=10 m=35
